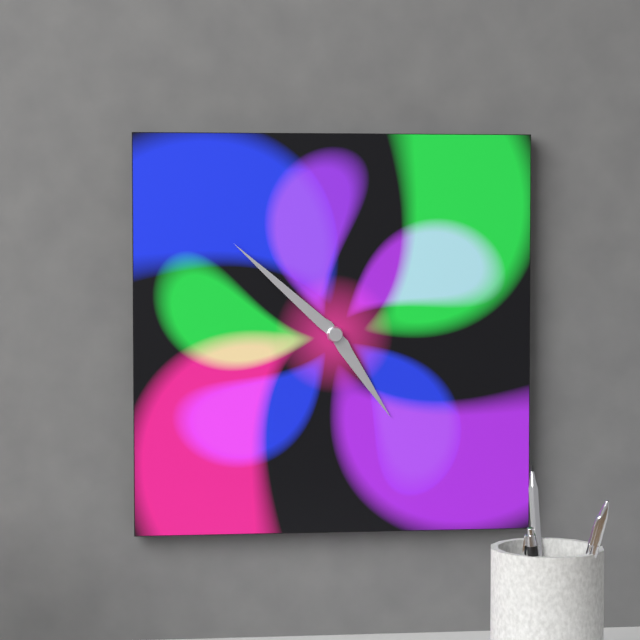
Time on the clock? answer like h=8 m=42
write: h=4 m=52
